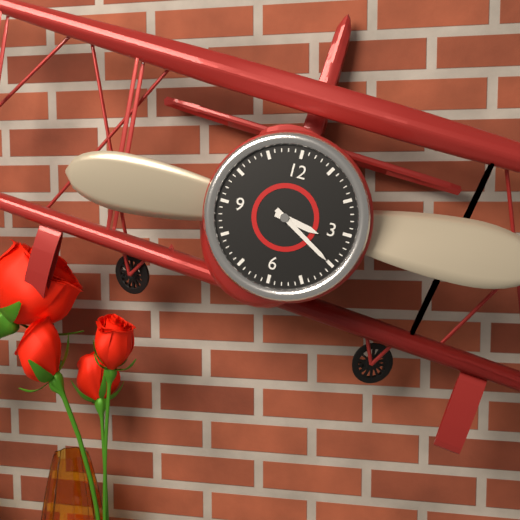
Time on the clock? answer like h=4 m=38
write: h=3 m=20
